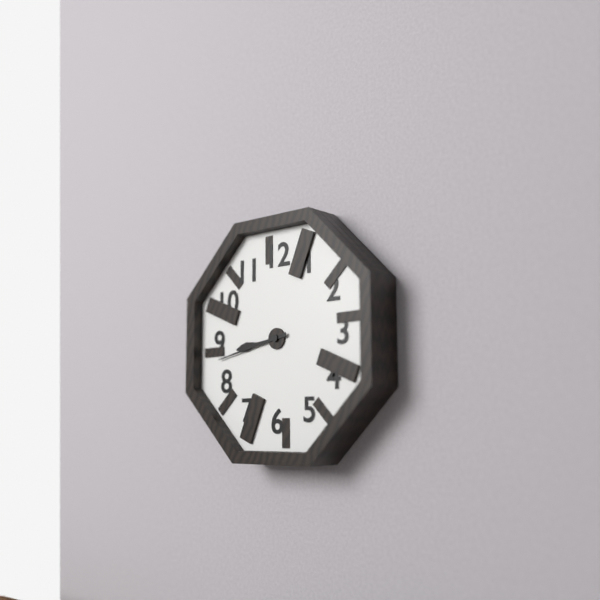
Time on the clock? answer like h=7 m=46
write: h=8 m=43
